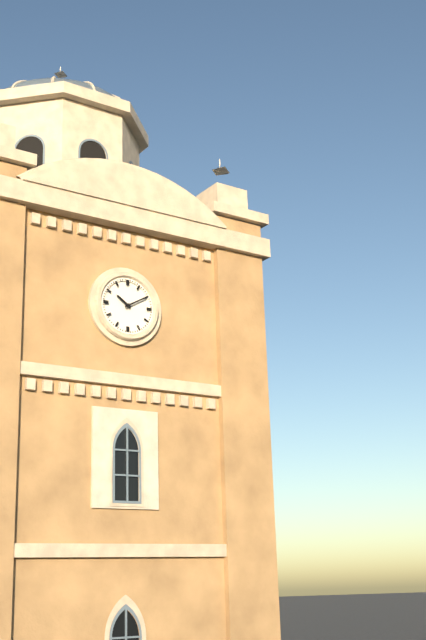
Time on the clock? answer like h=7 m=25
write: h=10 m=10
